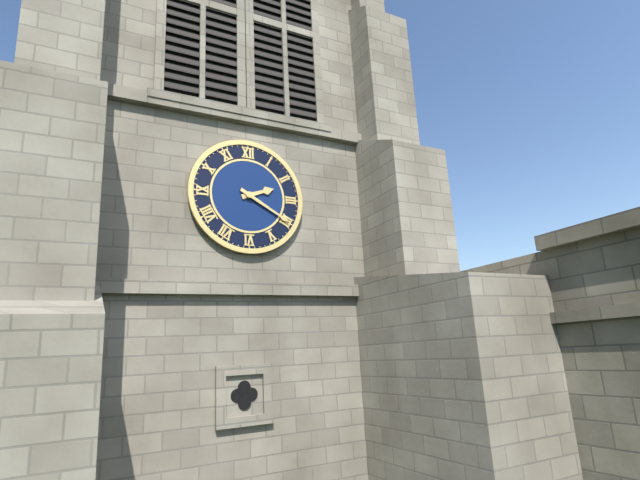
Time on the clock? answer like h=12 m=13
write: h=2 m=20
